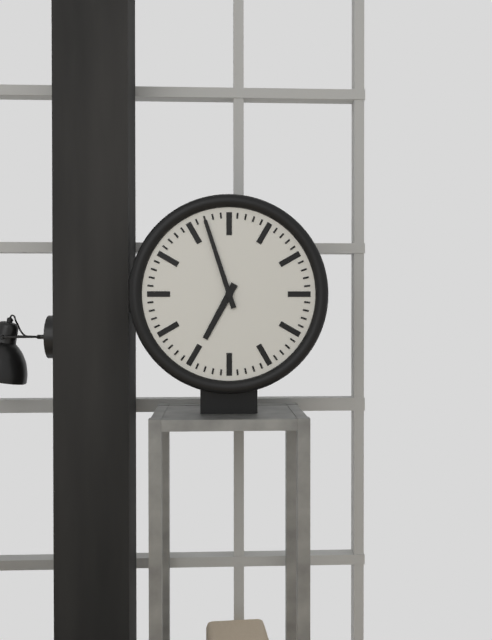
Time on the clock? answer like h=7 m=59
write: h=6 m=57
